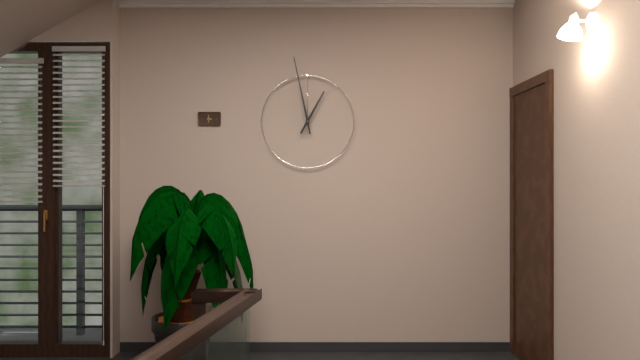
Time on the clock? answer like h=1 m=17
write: h=12 m=58
